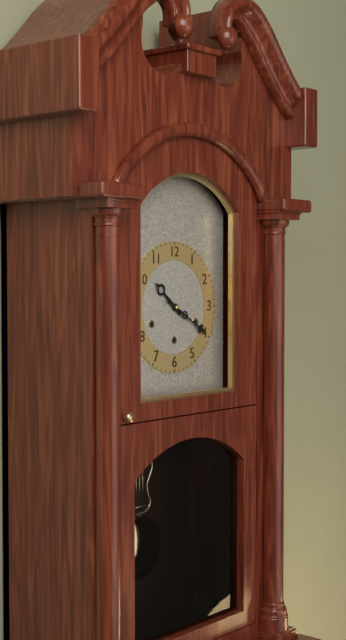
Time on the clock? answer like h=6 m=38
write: h=10 m=20
